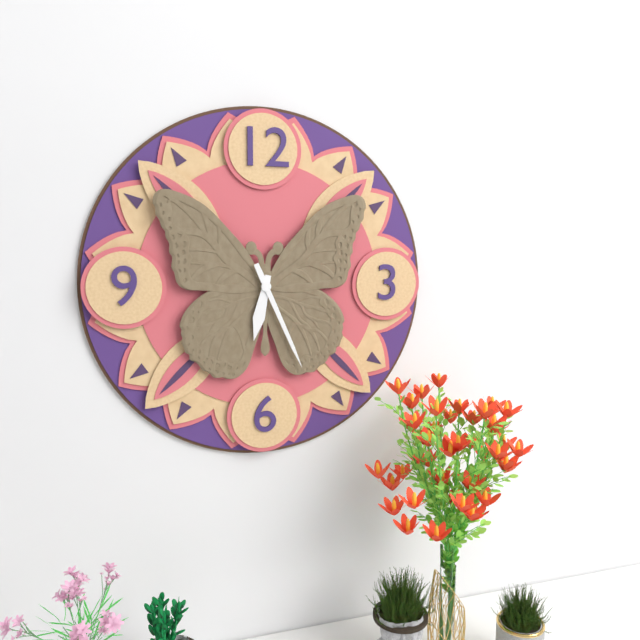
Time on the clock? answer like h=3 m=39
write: h=6 m=26
